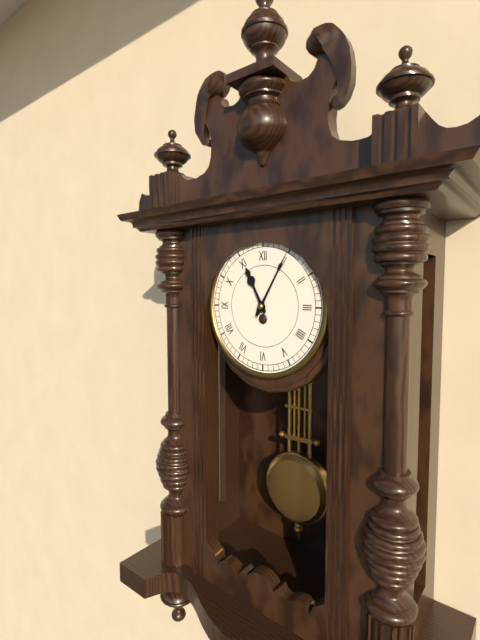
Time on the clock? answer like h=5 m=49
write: h=11 m=5
